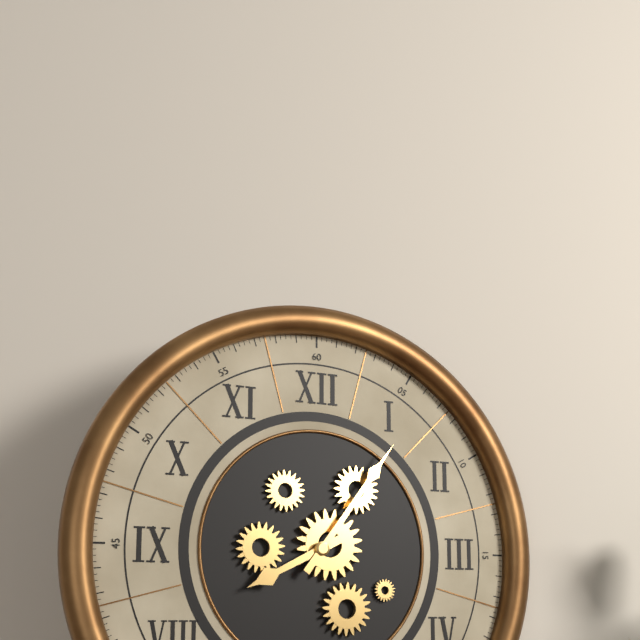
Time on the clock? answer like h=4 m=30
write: h=8 m=6
